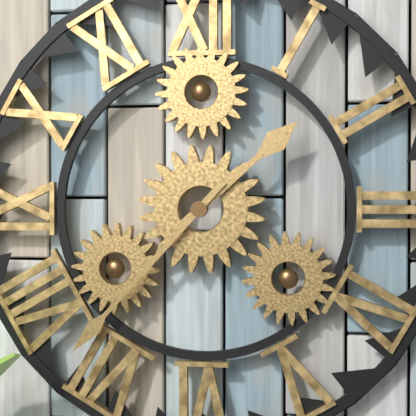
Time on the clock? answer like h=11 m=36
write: h=1 m=37
